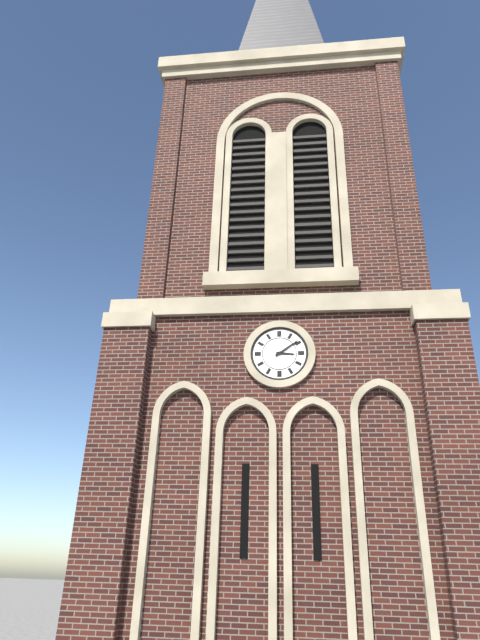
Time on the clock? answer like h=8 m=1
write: h=3 m=9
